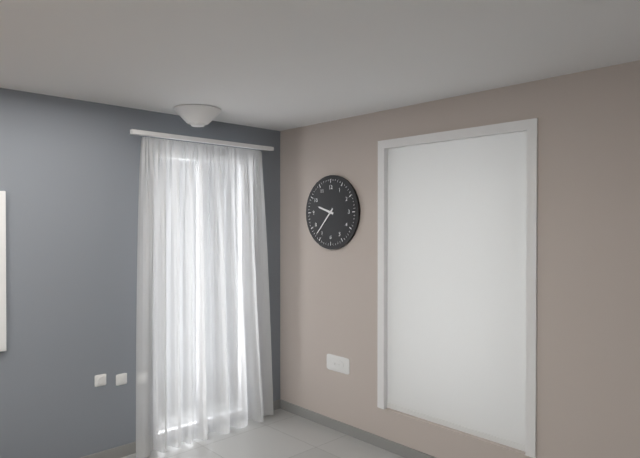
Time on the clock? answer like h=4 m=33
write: h=9 m=37
